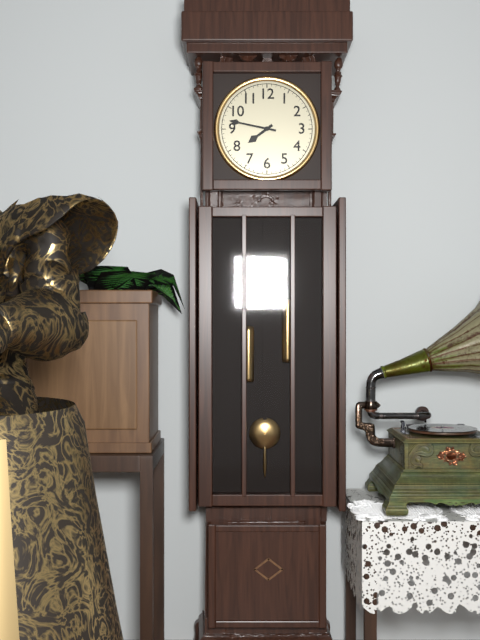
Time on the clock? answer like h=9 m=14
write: h=7 m=47
